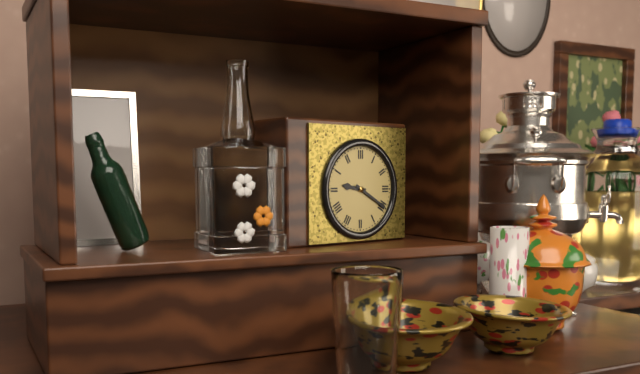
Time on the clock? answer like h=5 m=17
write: h=9 m=20
